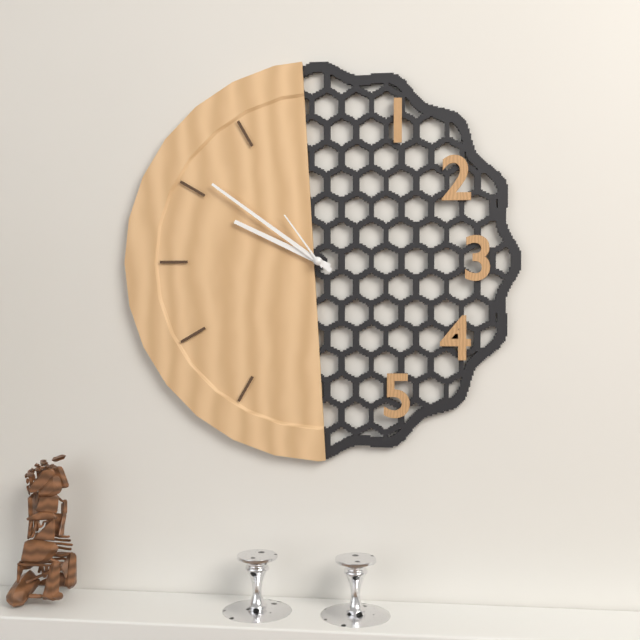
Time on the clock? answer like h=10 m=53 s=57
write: h=9 m=51 s=54
